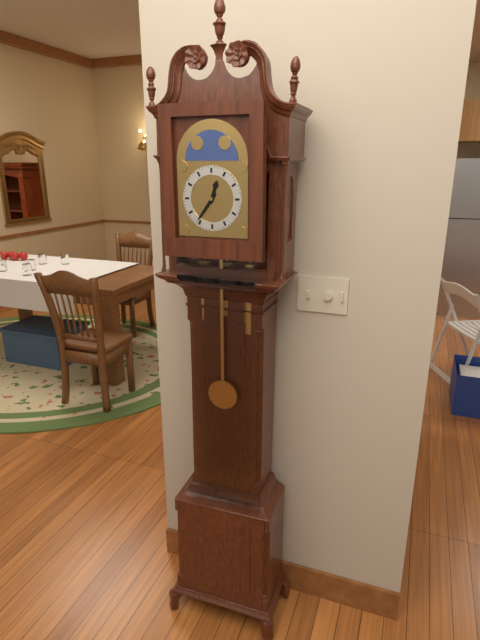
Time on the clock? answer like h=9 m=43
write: h=12 m=36
